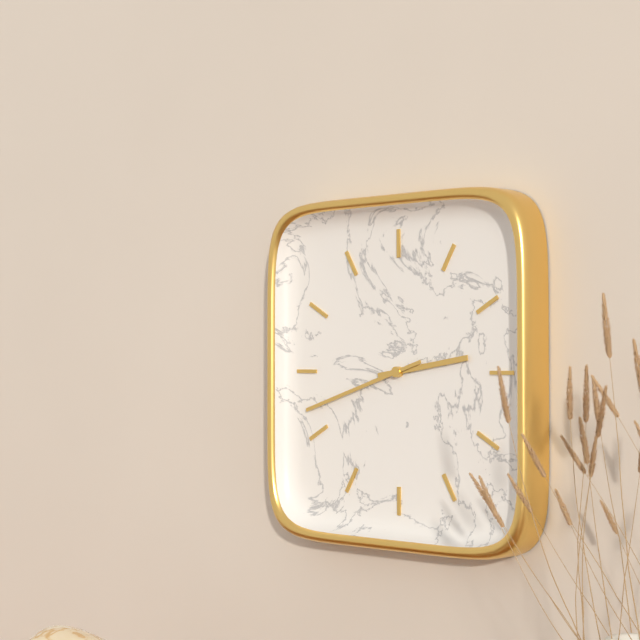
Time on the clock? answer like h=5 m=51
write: h=2 m=42
